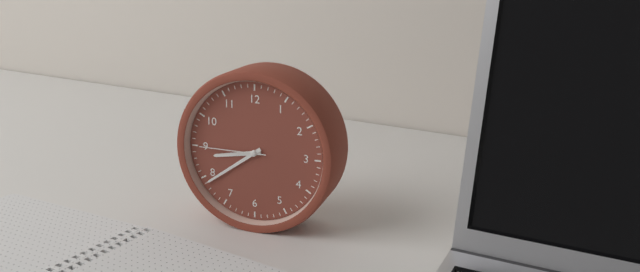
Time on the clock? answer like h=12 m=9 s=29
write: h=8 m=39 s=45
